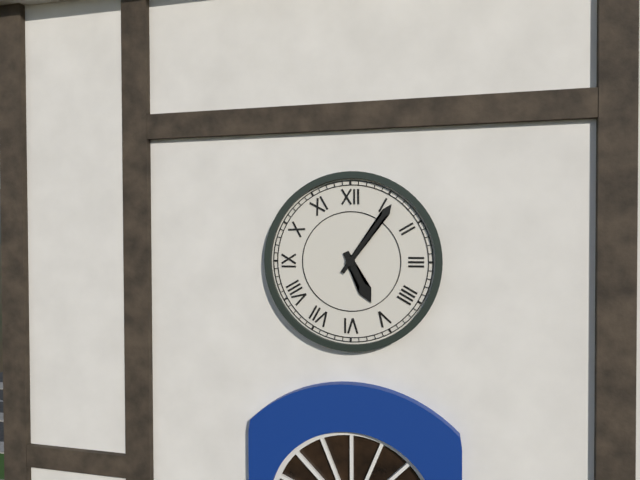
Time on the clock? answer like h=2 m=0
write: h=5 m=6
